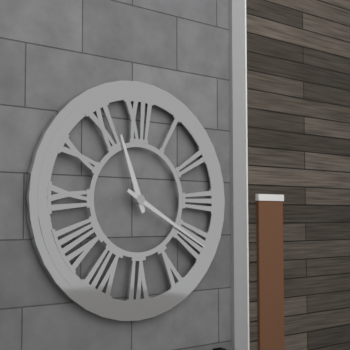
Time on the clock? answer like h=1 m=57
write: h=11 m=20
